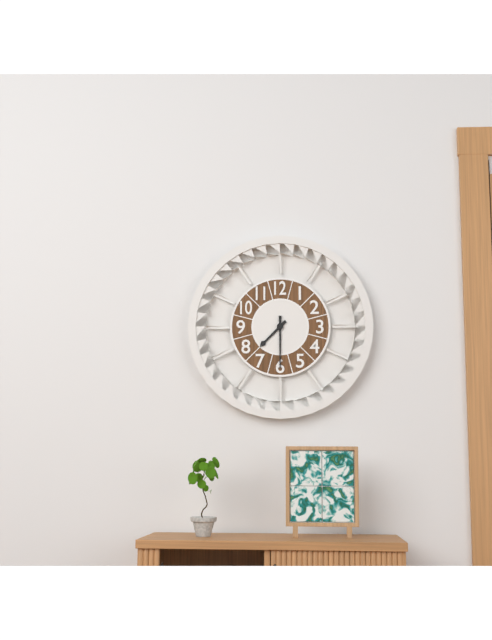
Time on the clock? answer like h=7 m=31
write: h=7 m=30
